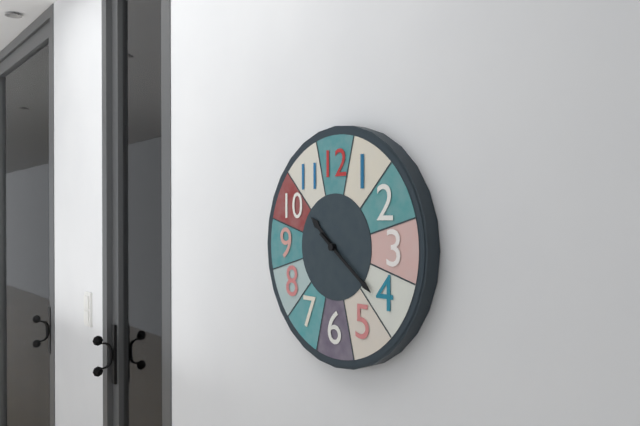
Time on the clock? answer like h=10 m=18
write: h=10 m=21
